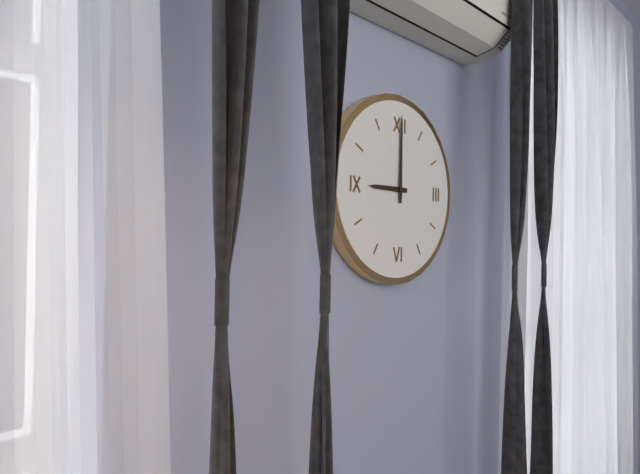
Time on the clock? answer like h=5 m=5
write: h=9 m=0
